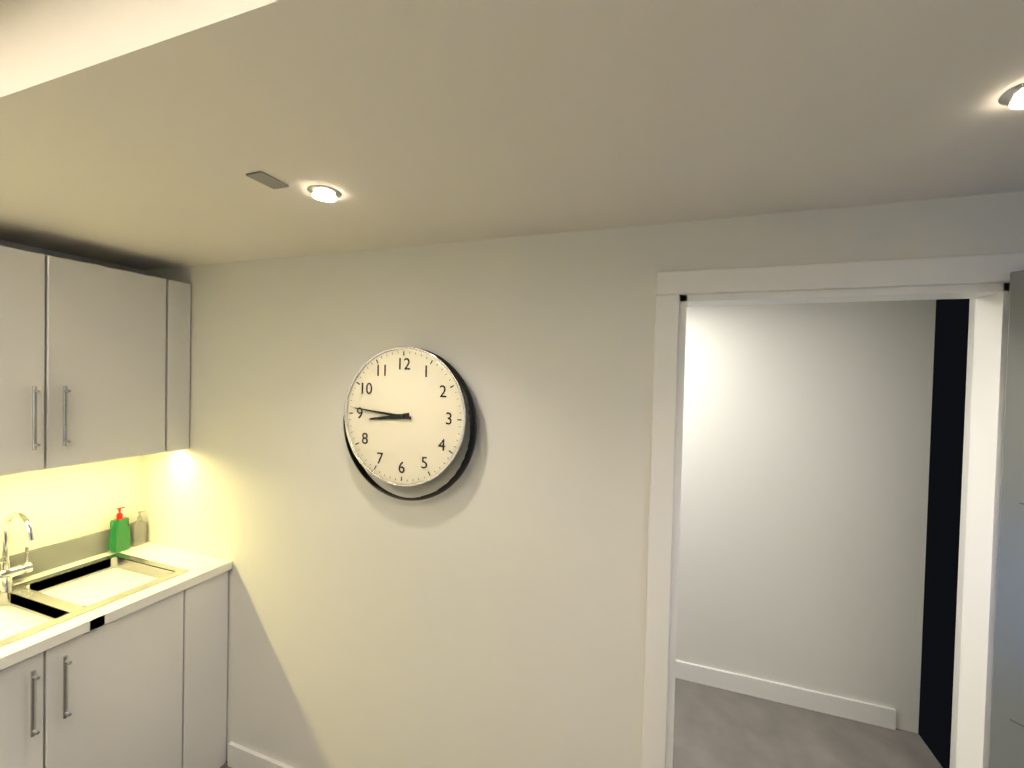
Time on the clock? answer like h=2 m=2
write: h=8 m=46
